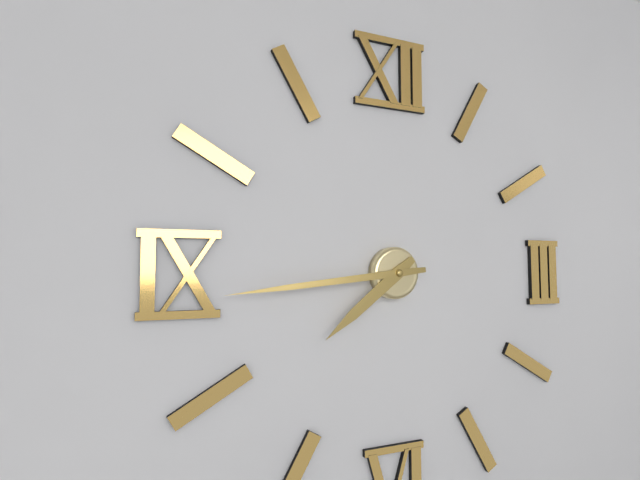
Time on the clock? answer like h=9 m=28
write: h=7 m=44
